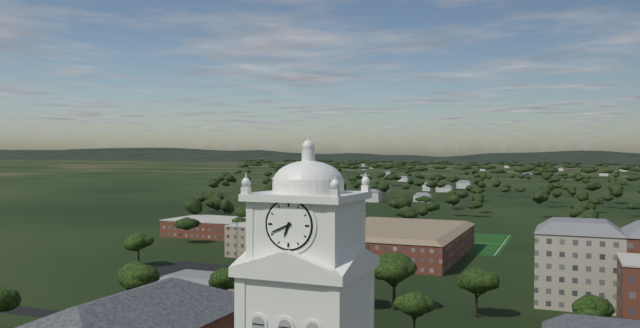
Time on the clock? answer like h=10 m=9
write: h=6 m=41
